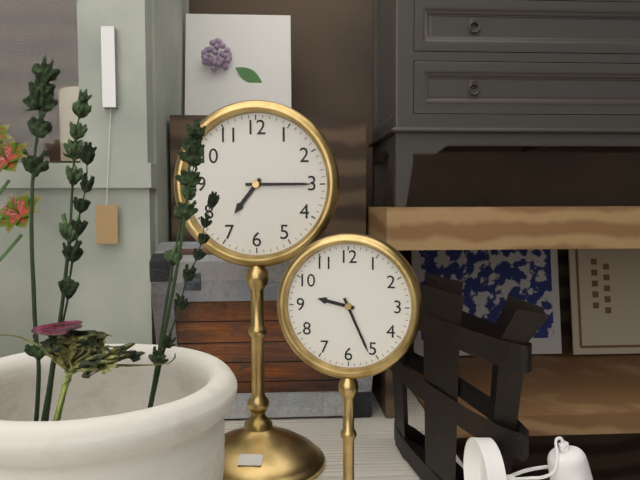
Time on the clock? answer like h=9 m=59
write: h=7 m=15
